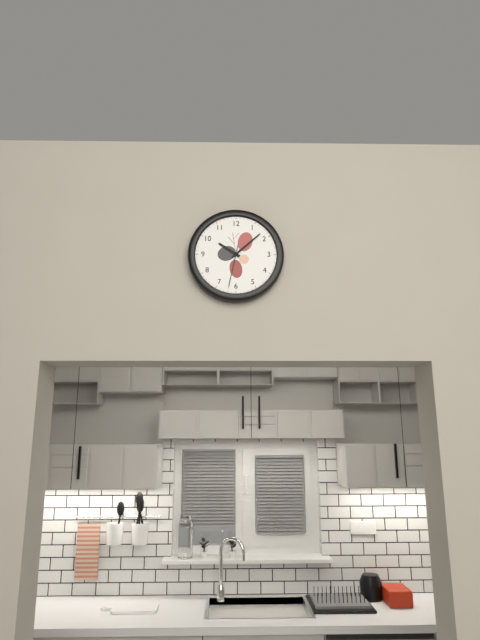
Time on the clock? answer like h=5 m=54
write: h=10 m=8
